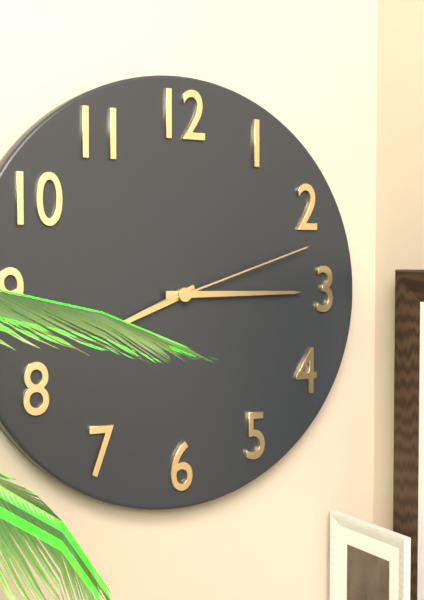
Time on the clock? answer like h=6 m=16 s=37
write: h=8 m=15 s=12
